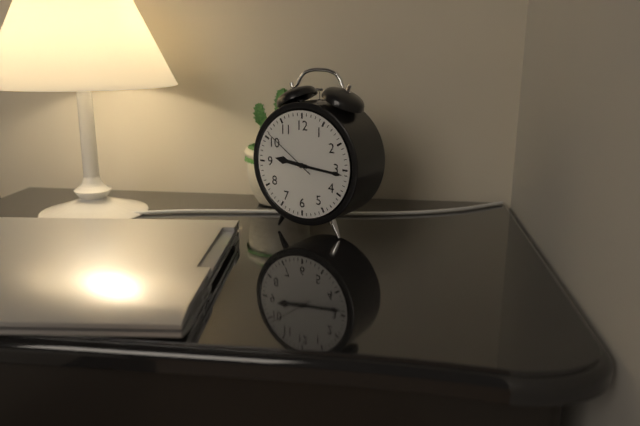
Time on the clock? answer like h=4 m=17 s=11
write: h=9 m=16 s=51
